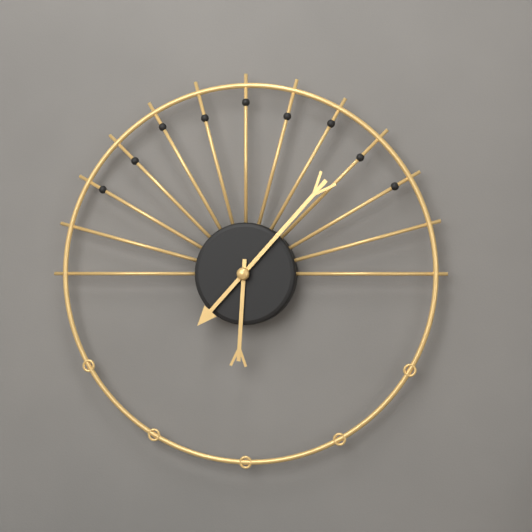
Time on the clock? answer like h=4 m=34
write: h=6 m=7
